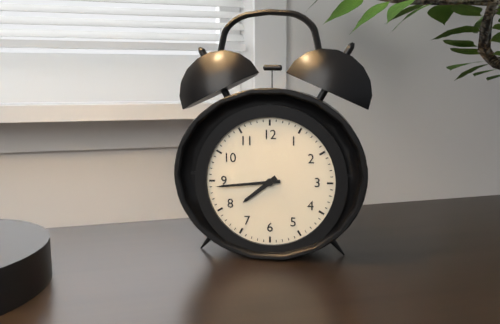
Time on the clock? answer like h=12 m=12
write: h=7 m=44
